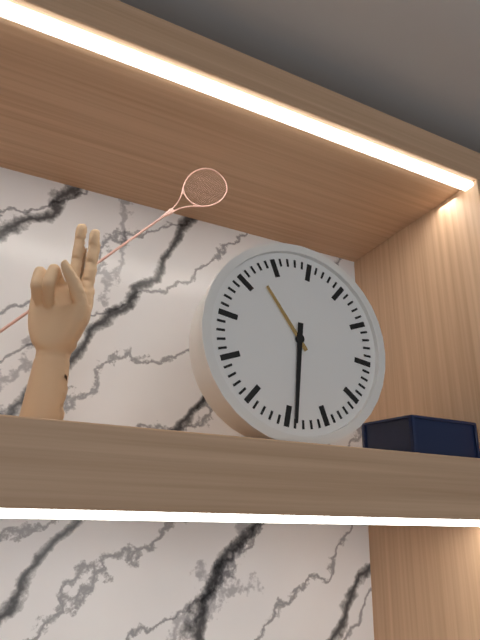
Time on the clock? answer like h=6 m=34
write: h=10 m=29
